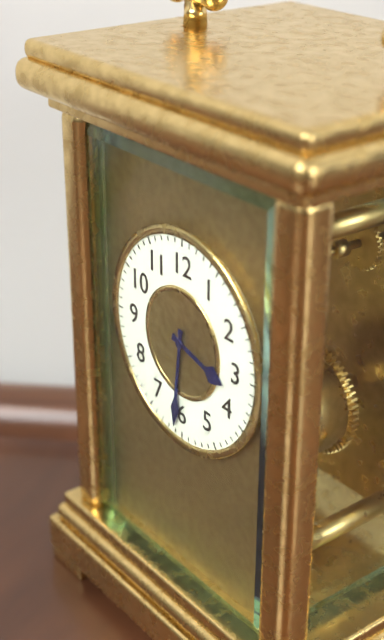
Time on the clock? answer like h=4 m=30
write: h=3 m=31
